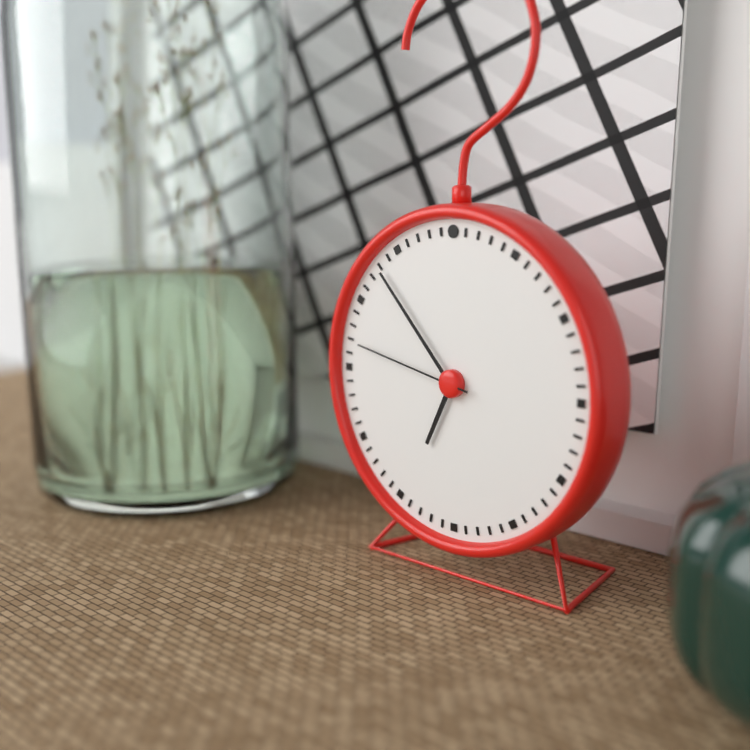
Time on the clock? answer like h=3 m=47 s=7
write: h=6 m=53 s=47
